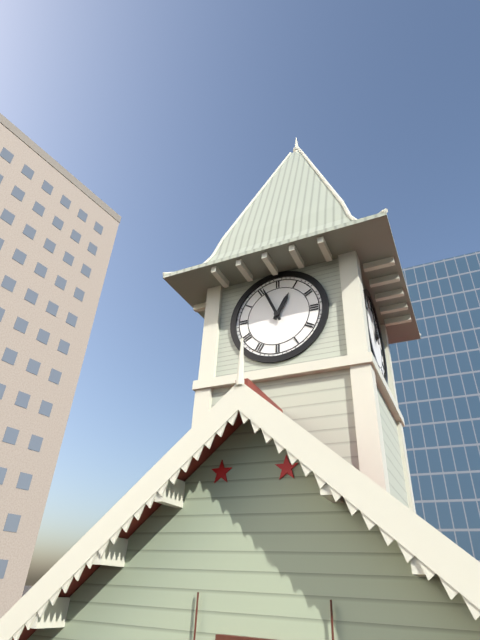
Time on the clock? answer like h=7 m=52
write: h=12 m=56
